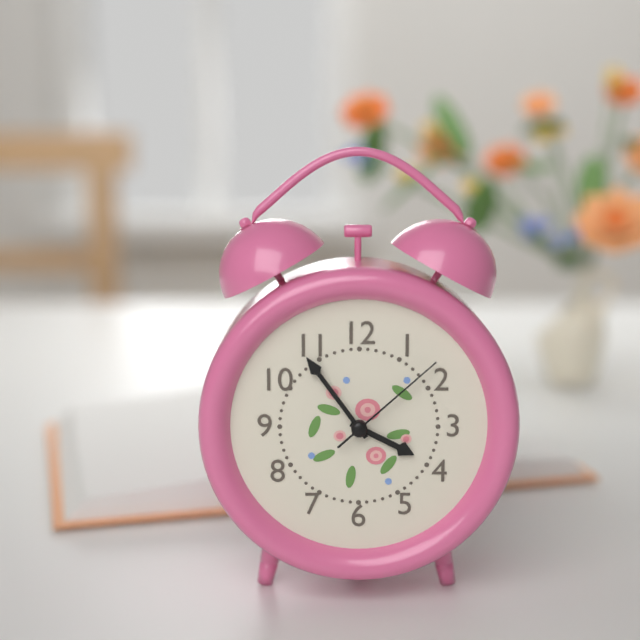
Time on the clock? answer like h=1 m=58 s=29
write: h=3 m=54 s=8
